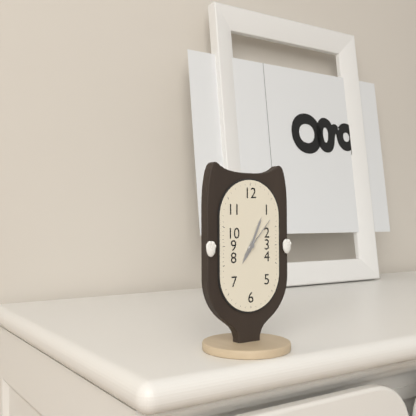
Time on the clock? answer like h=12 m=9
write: h=7 m=4
